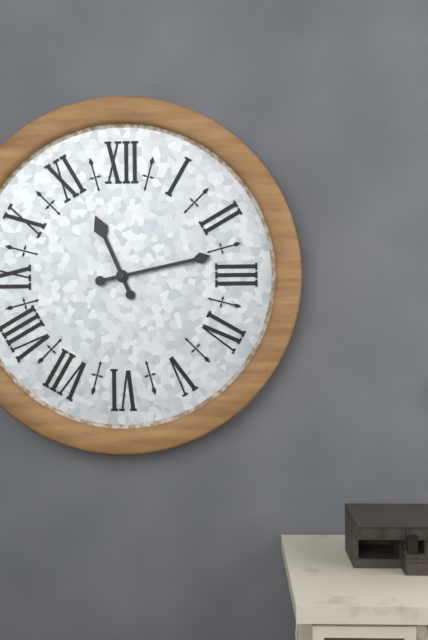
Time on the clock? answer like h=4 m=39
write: h=11 m=13
